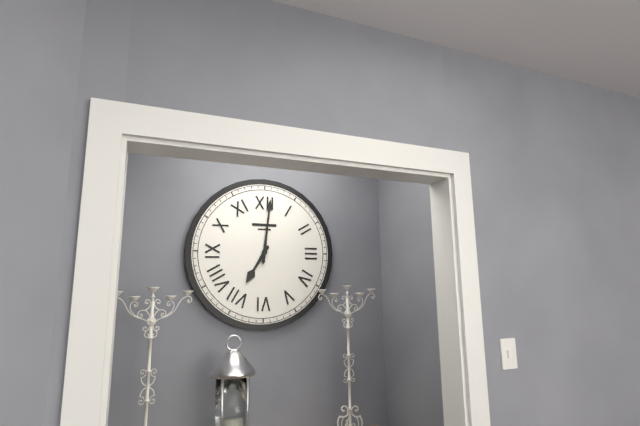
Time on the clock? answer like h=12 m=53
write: h=7 m=1
